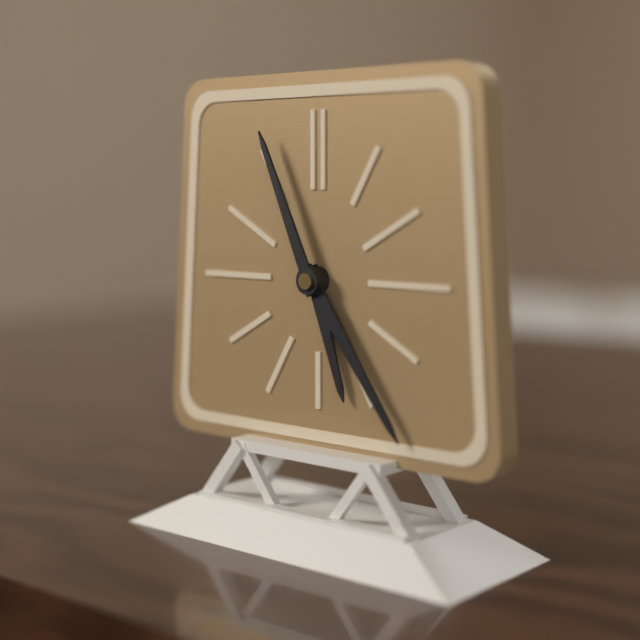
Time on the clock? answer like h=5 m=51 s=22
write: h=5 m=24 s=56
